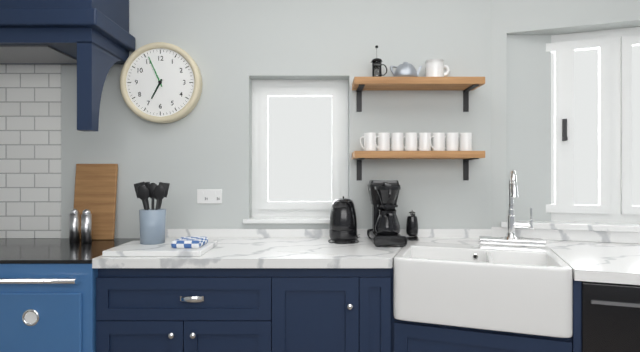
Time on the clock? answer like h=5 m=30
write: h=6 m=56
